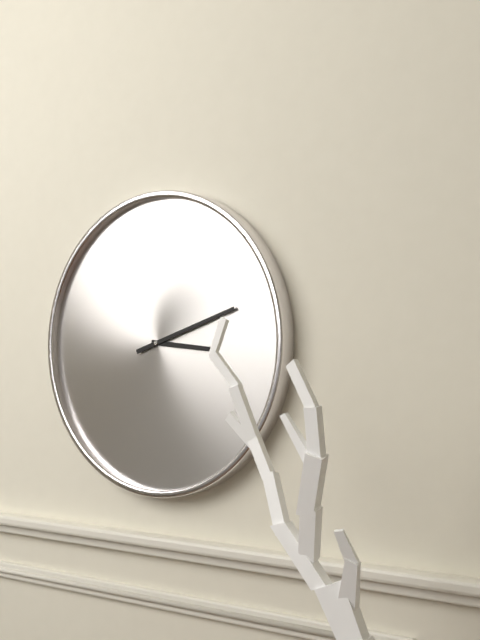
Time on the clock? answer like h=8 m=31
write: h=3 m=12
